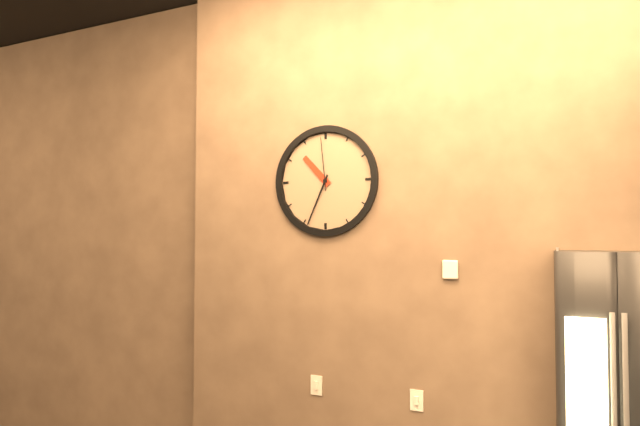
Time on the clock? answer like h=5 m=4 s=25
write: h=10 m=34 s=59
